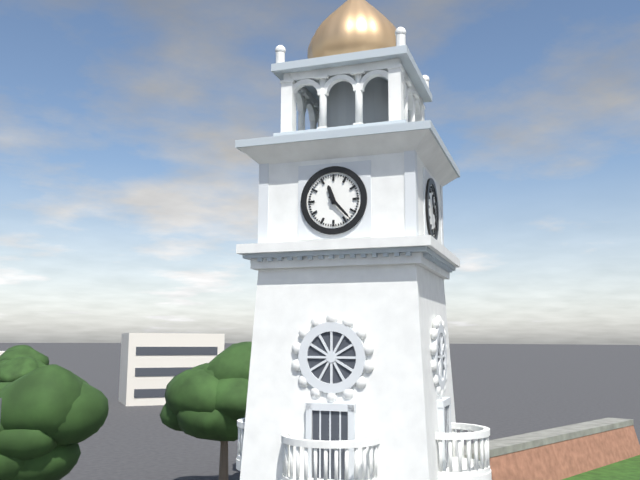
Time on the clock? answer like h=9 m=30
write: h=11 m=23
